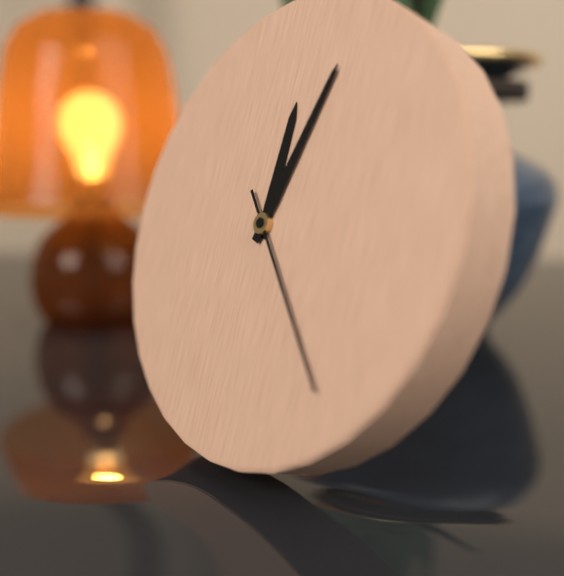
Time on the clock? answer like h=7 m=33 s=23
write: h=12 m=3 s=23
